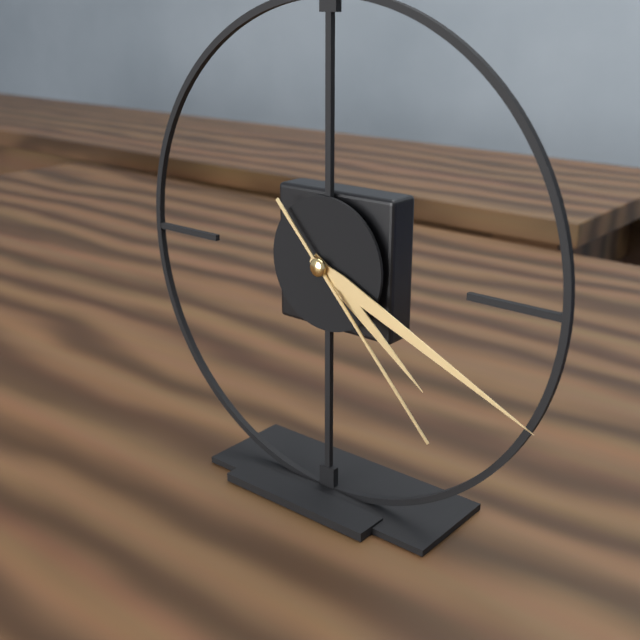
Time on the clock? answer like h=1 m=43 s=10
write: h=4 m=19 s=23
